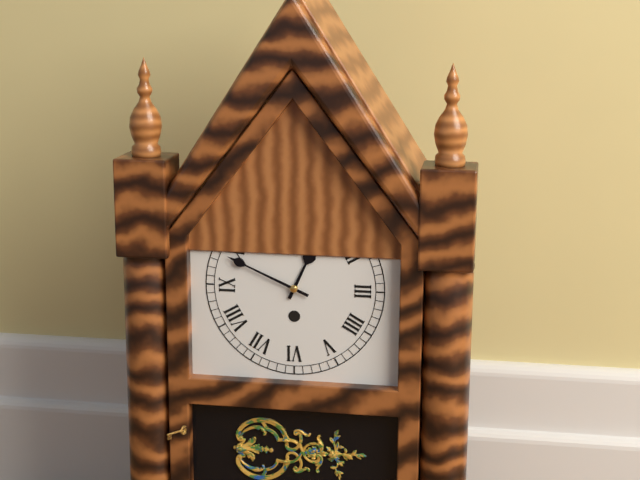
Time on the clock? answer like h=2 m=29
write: h=12 m=49
